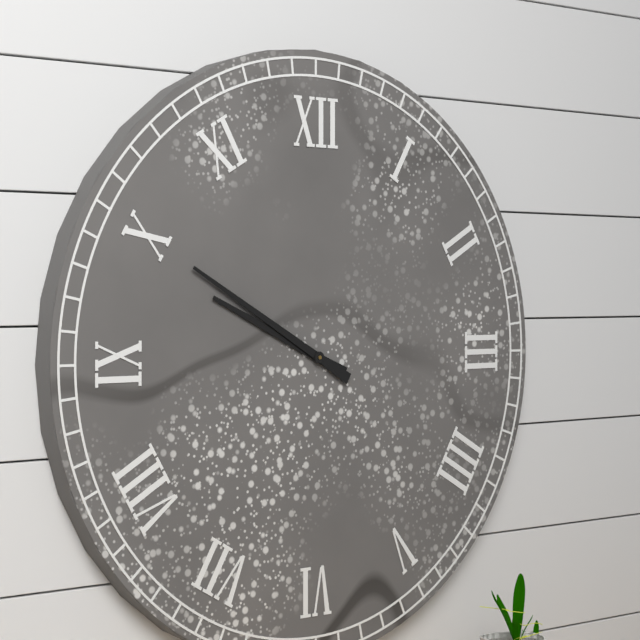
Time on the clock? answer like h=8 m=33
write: h=9 m=50
